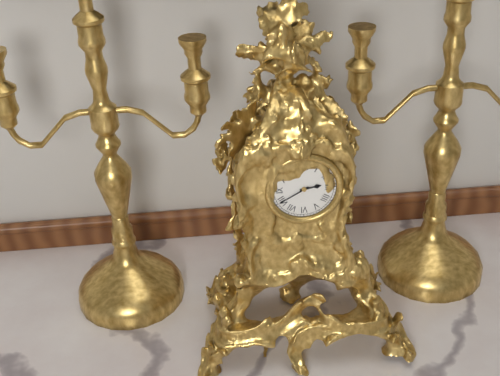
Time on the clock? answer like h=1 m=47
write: h=2 m=40
